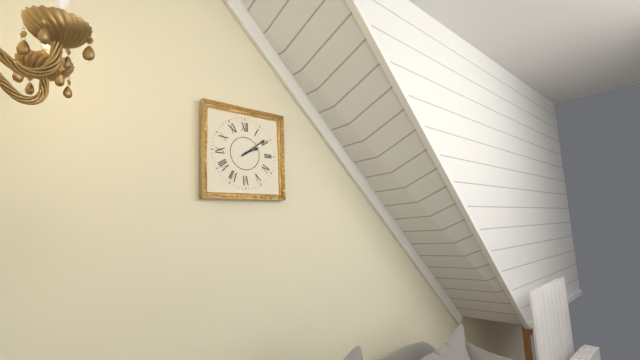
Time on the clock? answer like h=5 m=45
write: h=2 m=9
